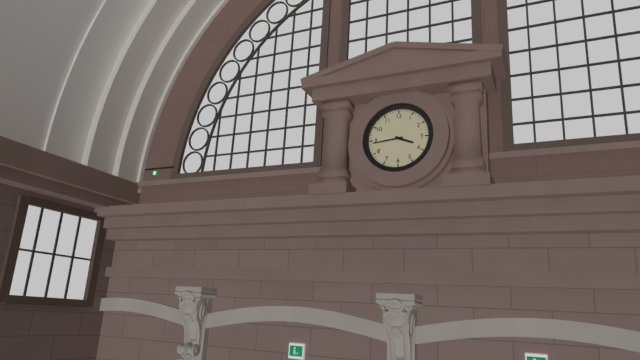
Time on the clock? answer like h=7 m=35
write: h=3 m=44
